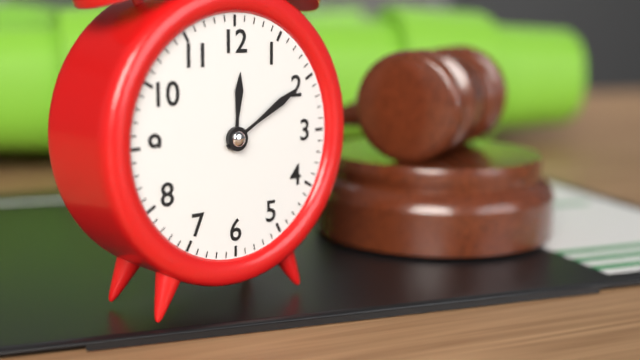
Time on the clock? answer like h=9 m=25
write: h=12 m=10
